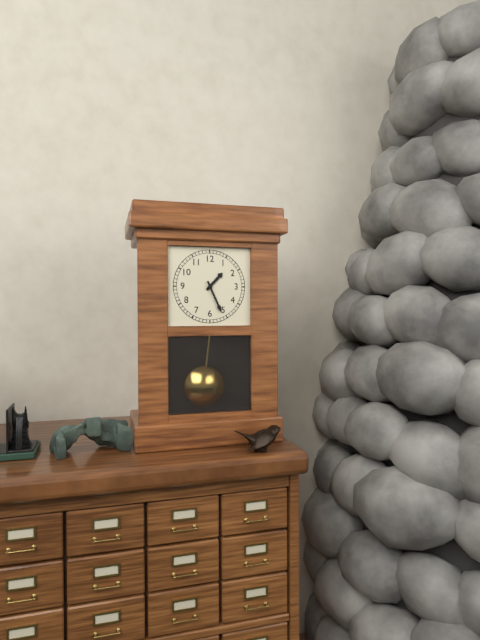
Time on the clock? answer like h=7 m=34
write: h=1 m=26
